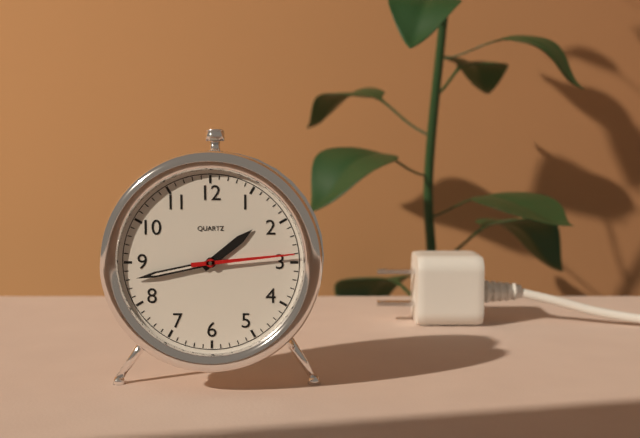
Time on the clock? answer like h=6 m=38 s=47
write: h=1 m=43 s=14
